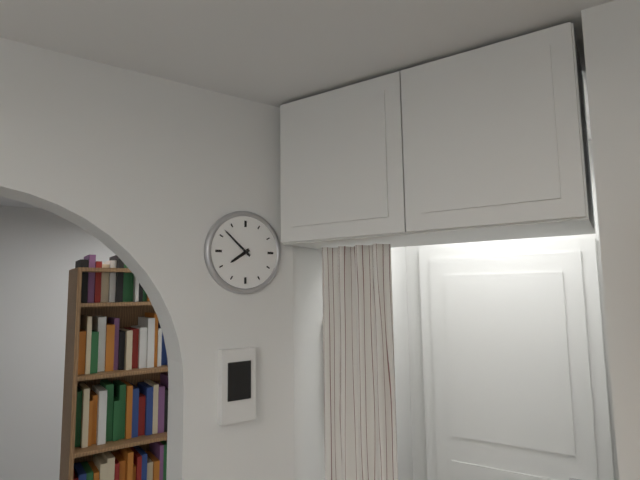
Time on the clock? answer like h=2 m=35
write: h=7 m=52
